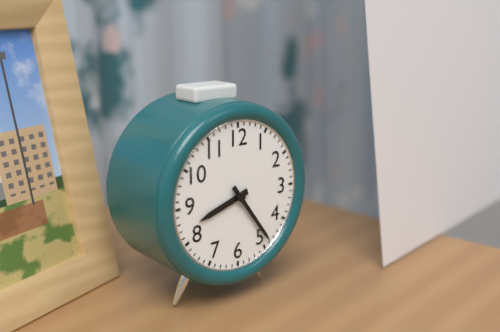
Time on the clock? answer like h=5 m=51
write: h=8 m=24
